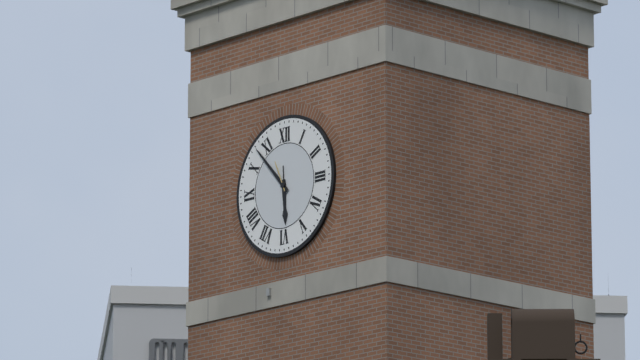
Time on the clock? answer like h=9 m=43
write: h=5 m=53
